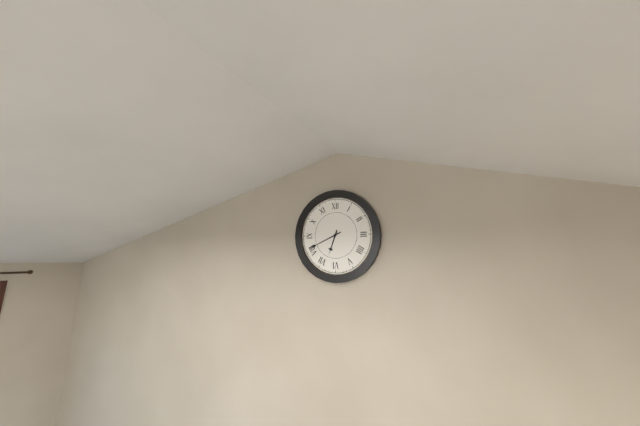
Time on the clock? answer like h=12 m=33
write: h=6 m=41
